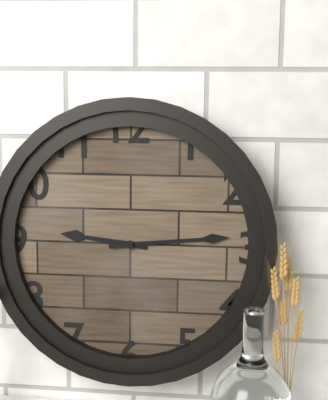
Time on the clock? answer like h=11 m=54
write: h=9 m=14
